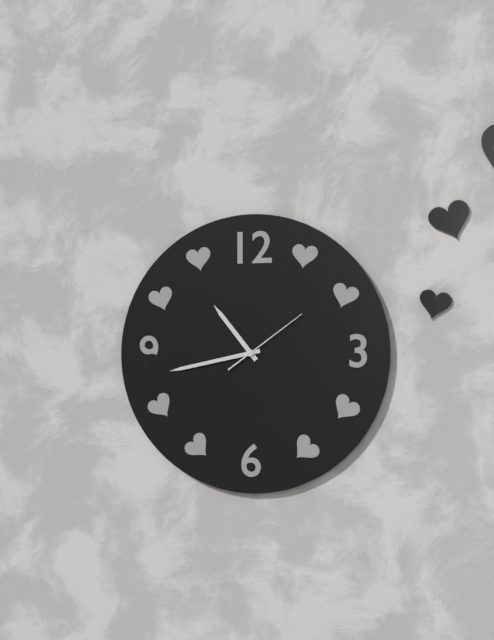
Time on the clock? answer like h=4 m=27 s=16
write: h=10 m=43 s=9
